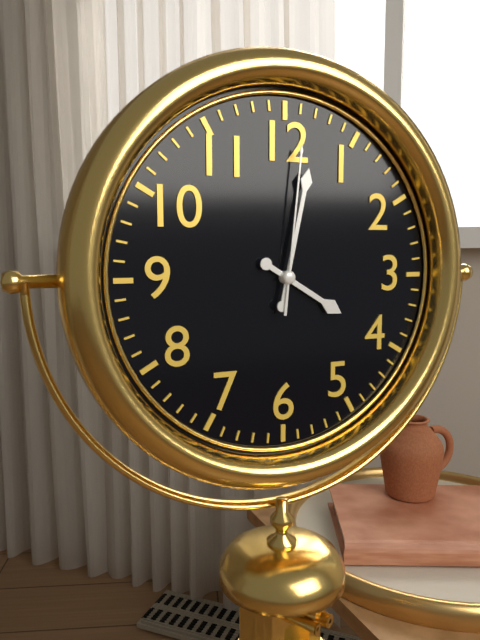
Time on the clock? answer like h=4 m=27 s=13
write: h=4 m=2 s=1
